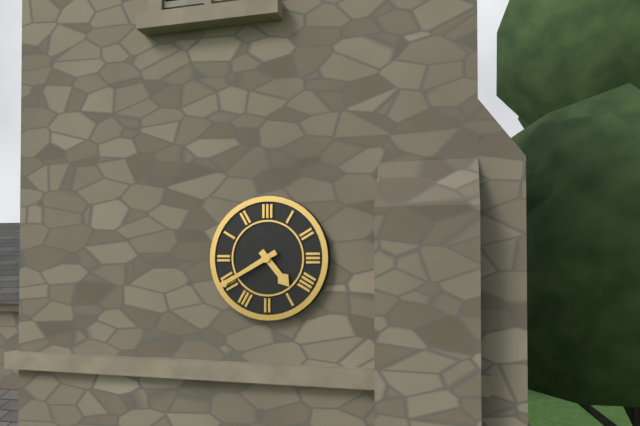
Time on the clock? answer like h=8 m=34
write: h=4 m=40
